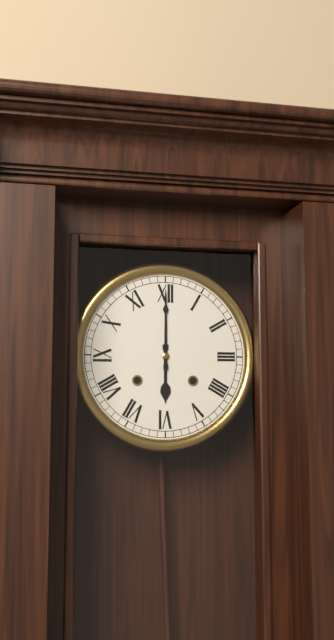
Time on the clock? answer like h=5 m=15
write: h=6 m=0
